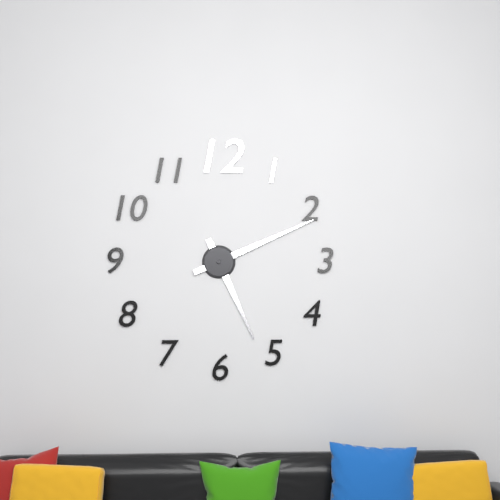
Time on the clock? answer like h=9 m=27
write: h=5 m=11
